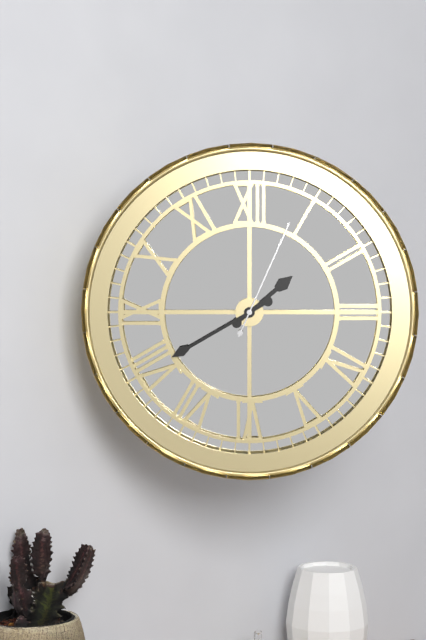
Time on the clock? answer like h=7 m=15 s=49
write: h=1 m=40 s=4
